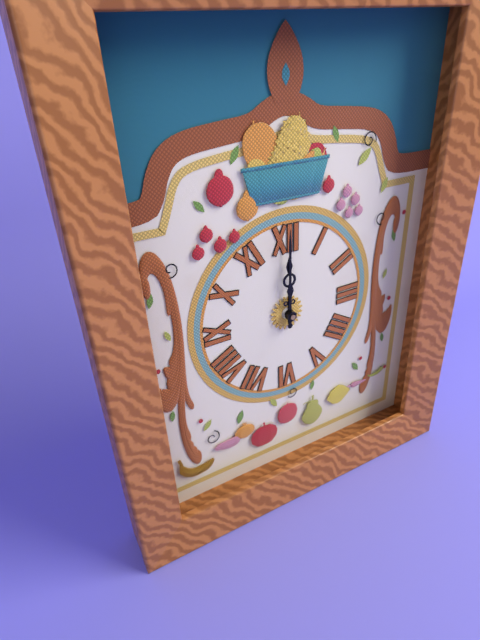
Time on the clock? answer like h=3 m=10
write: h=12 m=0
